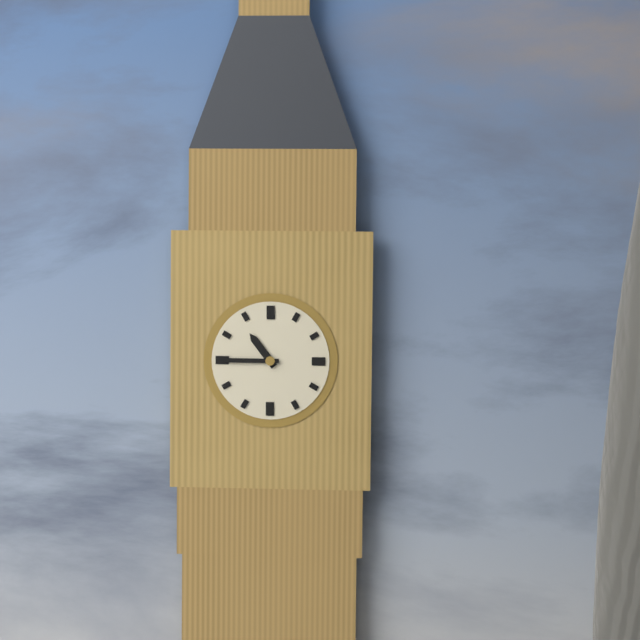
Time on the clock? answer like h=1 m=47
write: h=10 m=45
